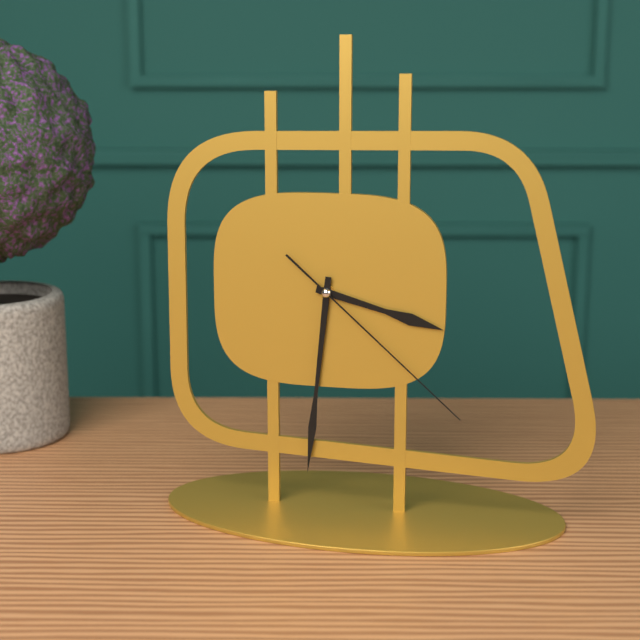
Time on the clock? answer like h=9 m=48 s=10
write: h=3 m=31 s=22
